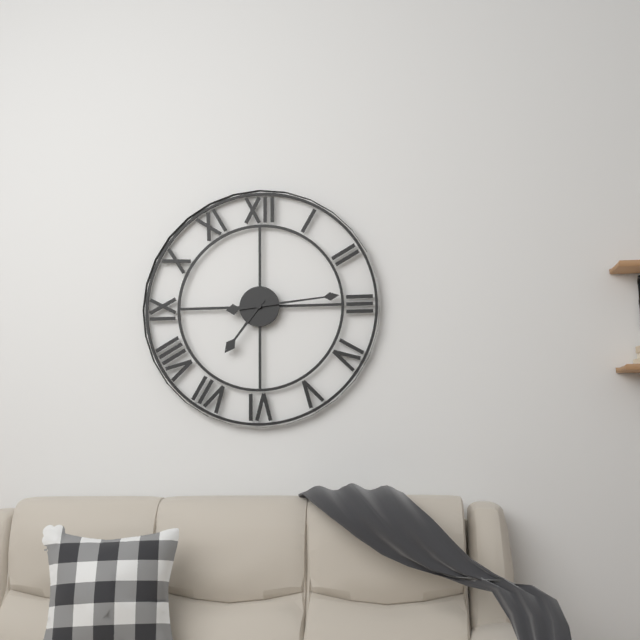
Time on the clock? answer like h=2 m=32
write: h=7 m=14
